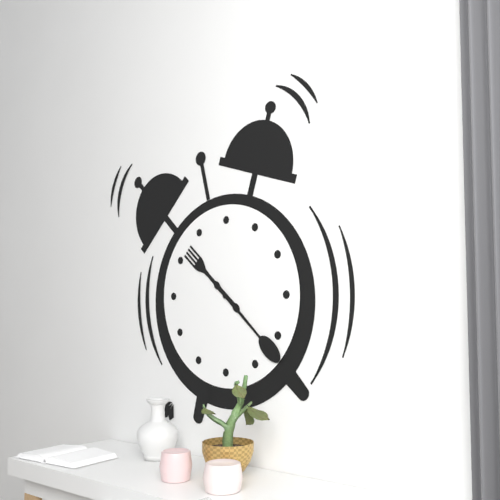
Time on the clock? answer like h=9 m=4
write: h=10 m=22
